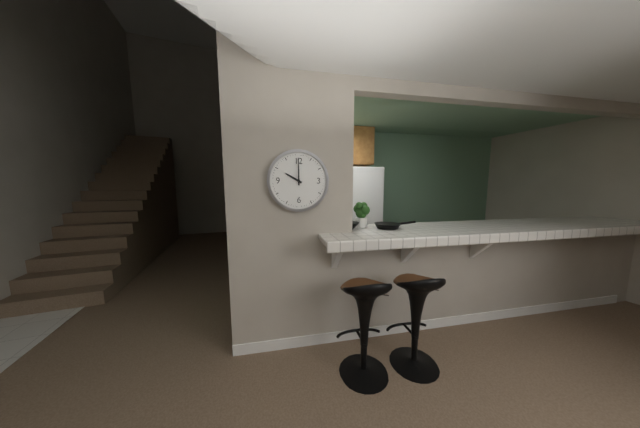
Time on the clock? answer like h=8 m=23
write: h=10 m=0
